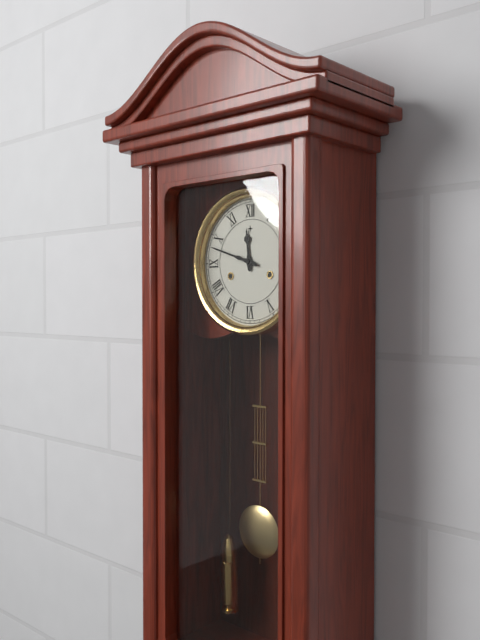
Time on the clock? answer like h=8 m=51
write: h=11 m=48
